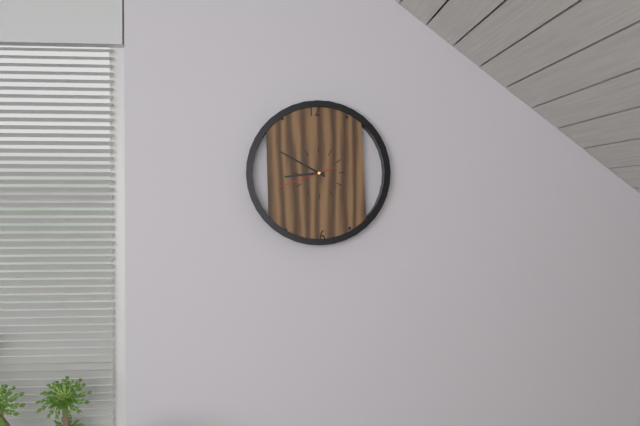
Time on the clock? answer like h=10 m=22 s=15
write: h=8 m=50 s=42
